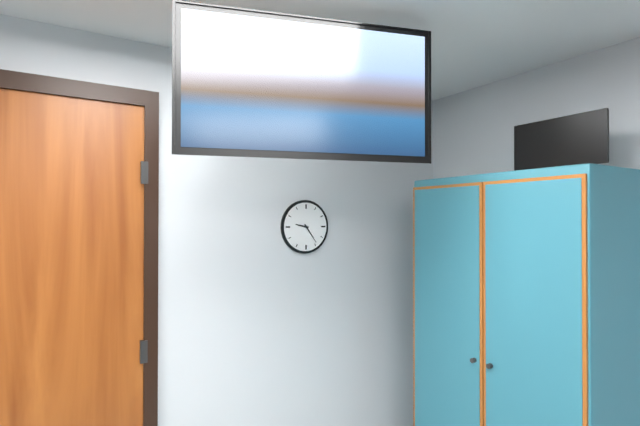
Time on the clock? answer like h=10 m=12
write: h=9 m=24
